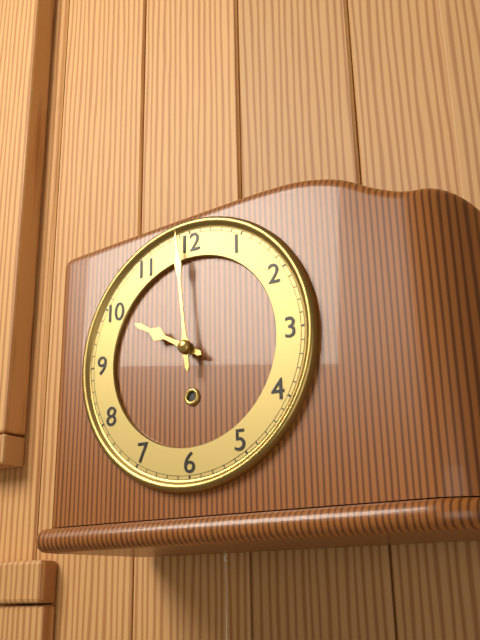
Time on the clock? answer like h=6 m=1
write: h=9 m=59
